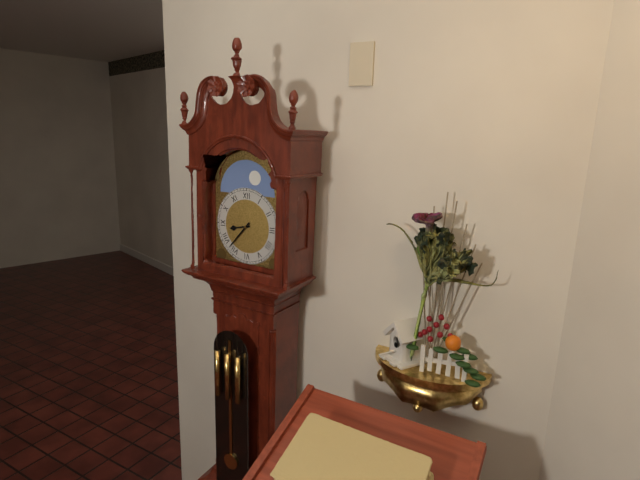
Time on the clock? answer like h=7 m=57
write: h=8 m=37
